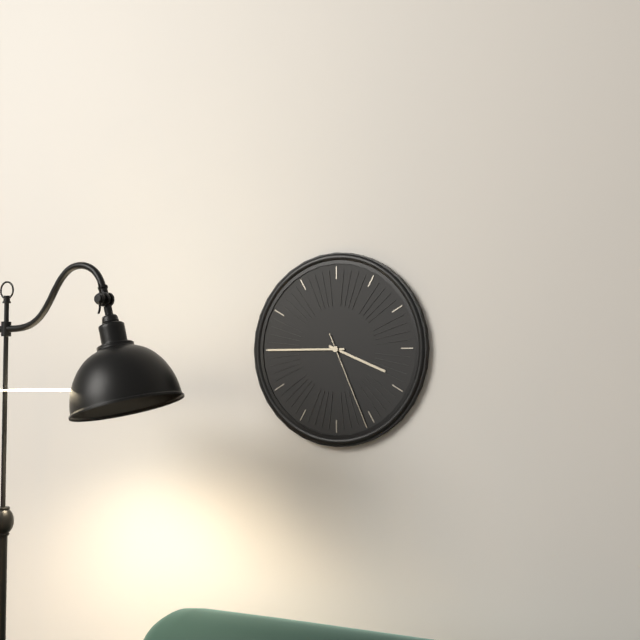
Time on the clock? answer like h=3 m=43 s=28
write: h=3 m=45 s=26
